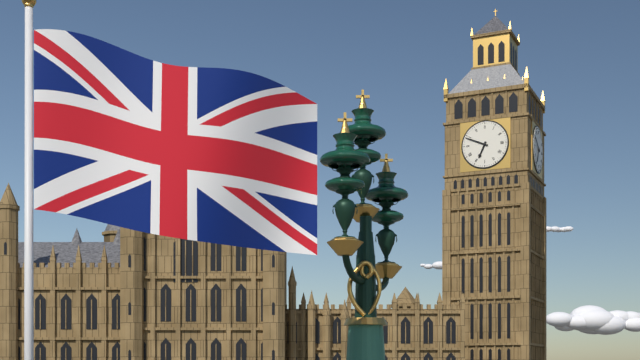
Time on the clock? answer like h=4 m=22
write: h=6 m=49
